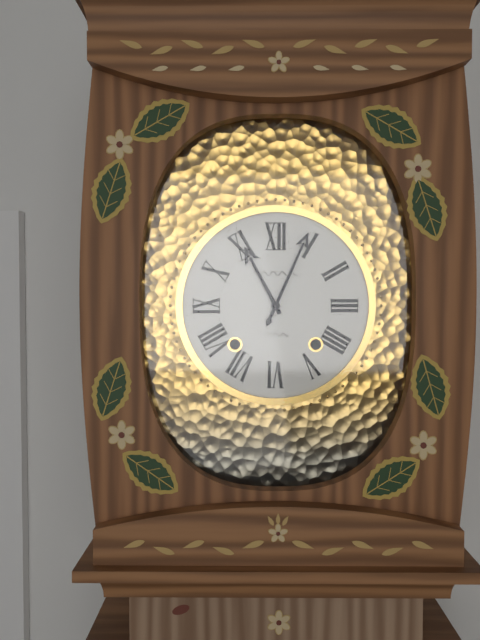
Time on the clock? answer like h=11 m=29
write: h=11 m=4
